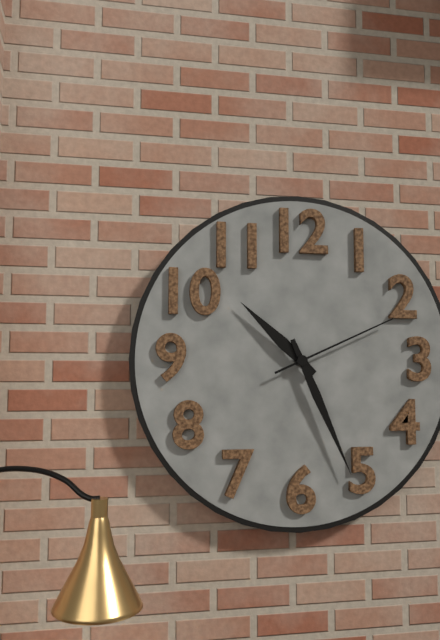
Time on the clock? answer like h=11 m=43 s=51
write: h=10 m=26 s=11
